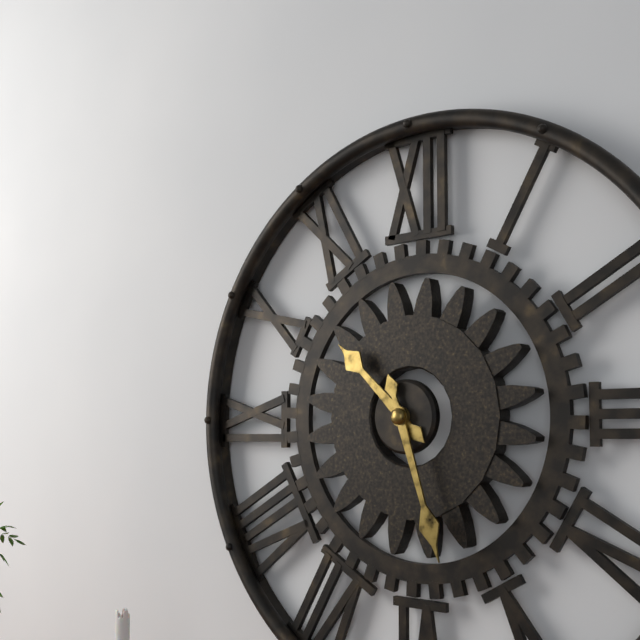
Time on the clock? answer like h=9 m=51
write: h=10 m=27
